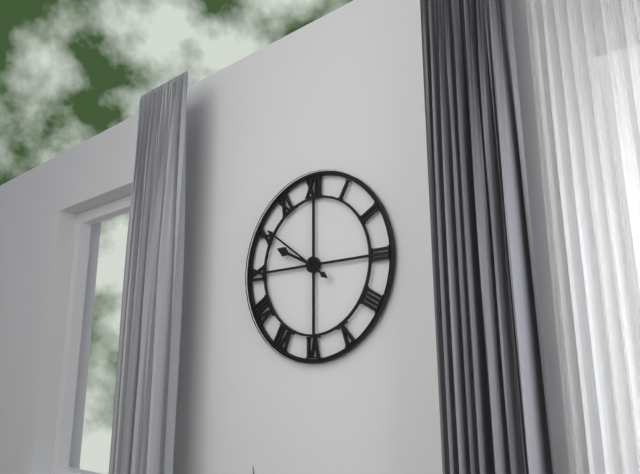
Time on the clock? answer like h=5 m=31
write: h=9 m=51
